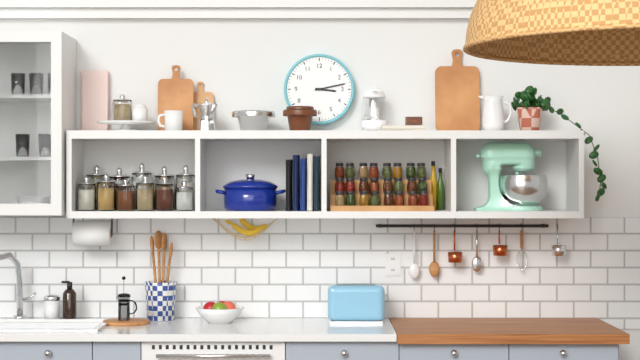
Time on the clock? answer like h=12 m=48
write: h=3 m=13
